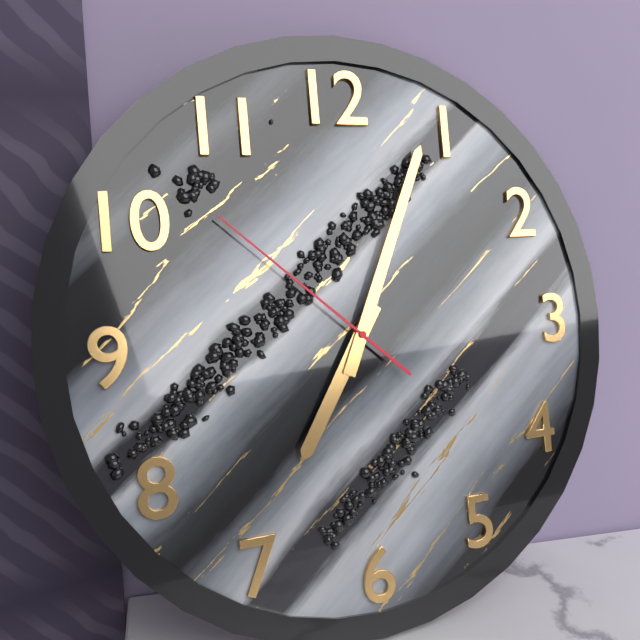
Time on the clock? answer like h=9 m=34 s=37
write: h=7 m=4 s=52
